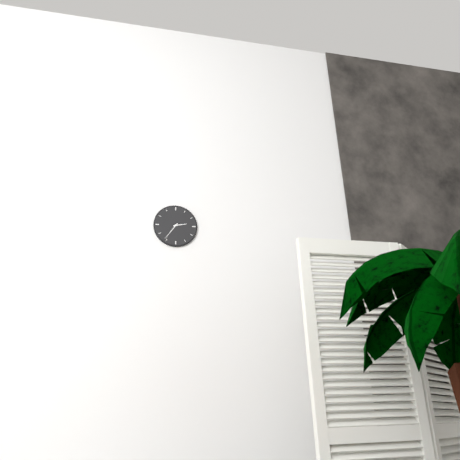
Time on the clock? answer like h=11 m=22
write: h=2 m=36
